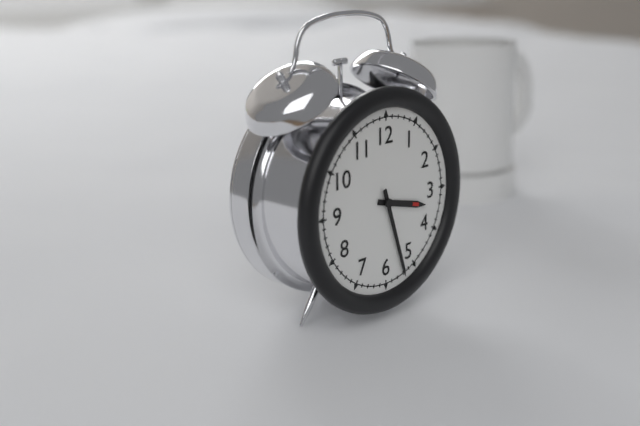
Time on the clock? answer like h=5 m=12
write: h=3 m=27
